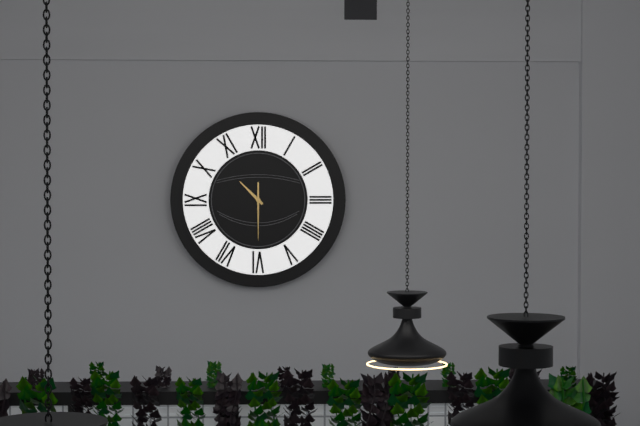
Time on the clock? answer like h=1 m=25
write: h=10 m=30
